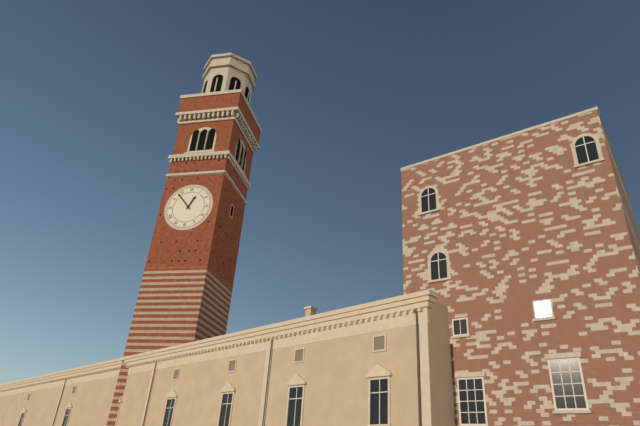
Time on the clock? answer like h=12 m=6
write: h=12 m=53
